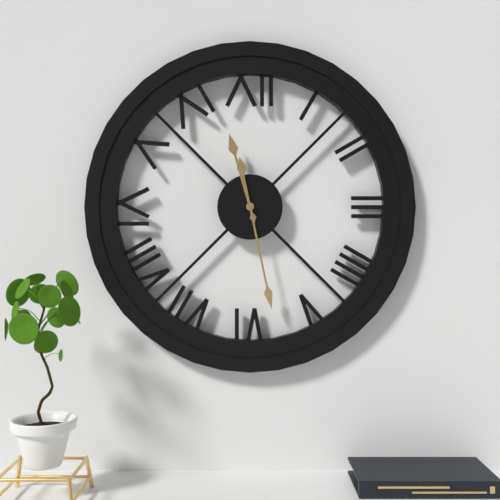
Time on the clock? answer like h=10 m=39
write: h=11 m=28
